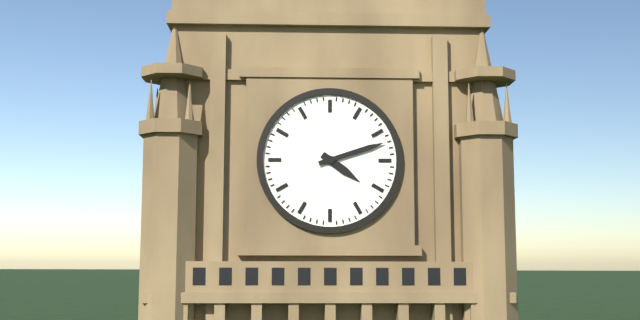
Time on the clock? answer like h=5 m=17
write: h=4 m=12
